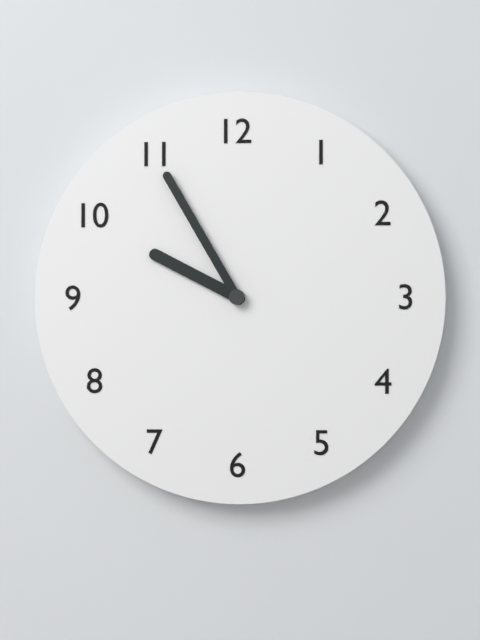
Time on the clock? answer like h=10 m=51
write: h=9 m=55
